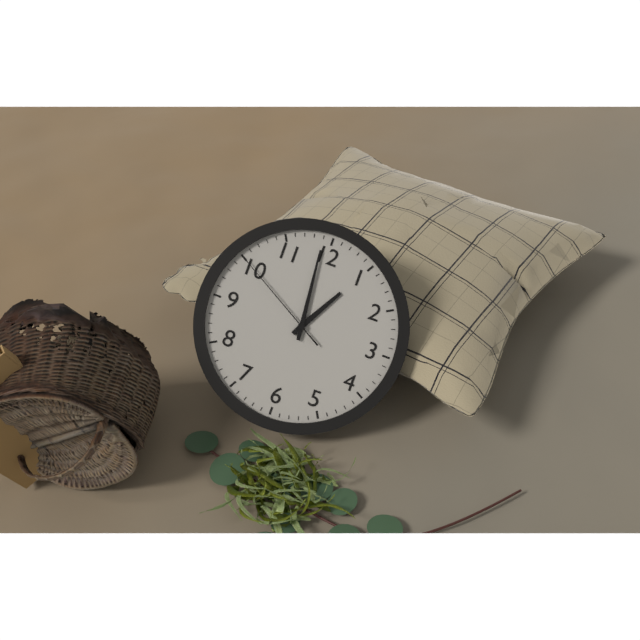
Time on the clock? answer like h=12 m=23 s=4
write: h=12 m=59 s=50
